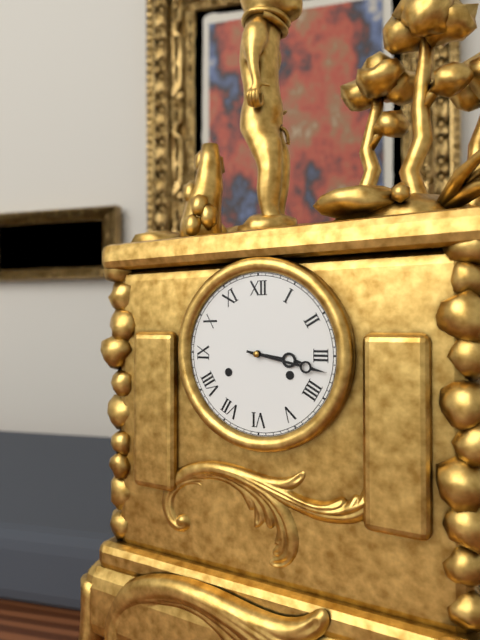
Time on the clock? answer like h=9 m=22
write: h=3 m=17
